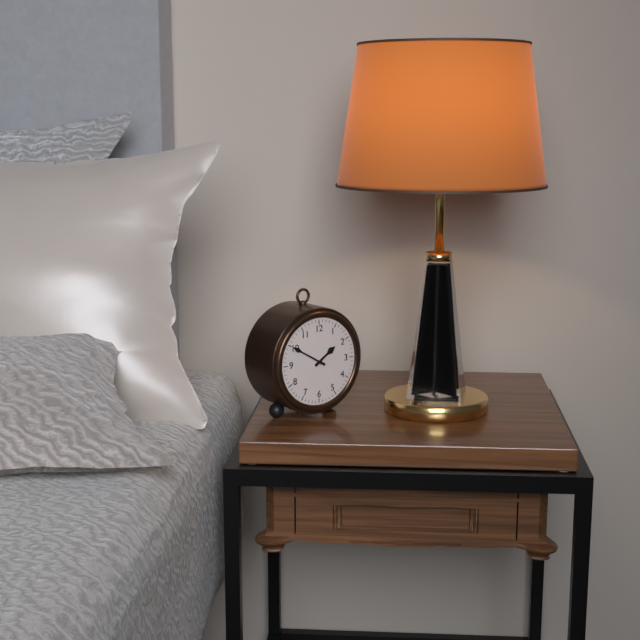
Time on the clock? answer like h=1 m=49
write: h=1 m=50
